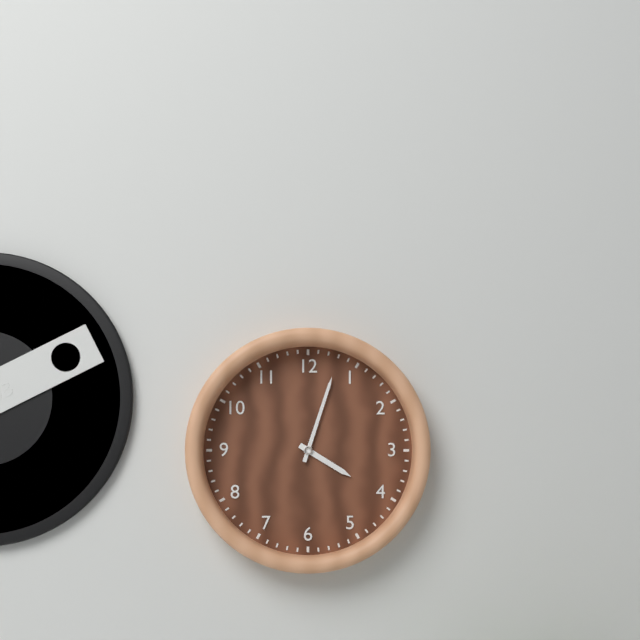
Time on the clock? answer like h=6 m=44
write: h=4 m=3
